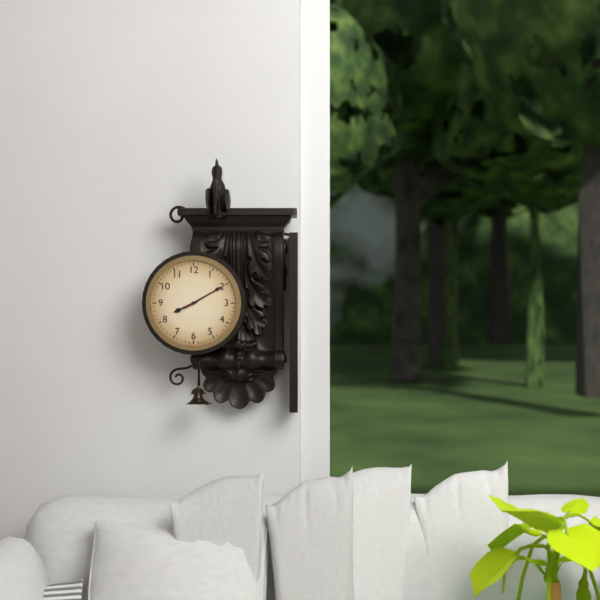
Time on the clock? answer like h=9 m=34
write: h=8 m=10
